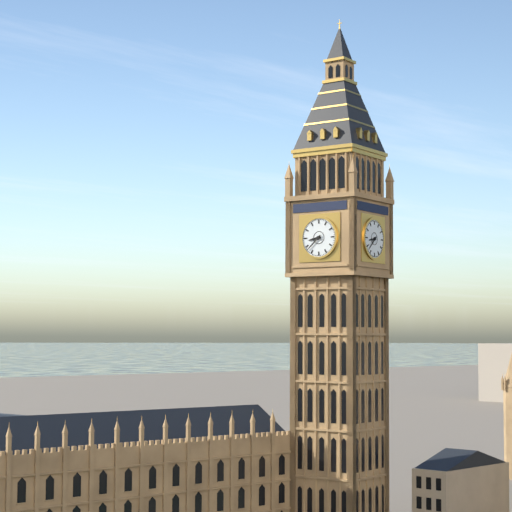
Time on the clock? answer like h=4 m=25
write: h=8 m=38
